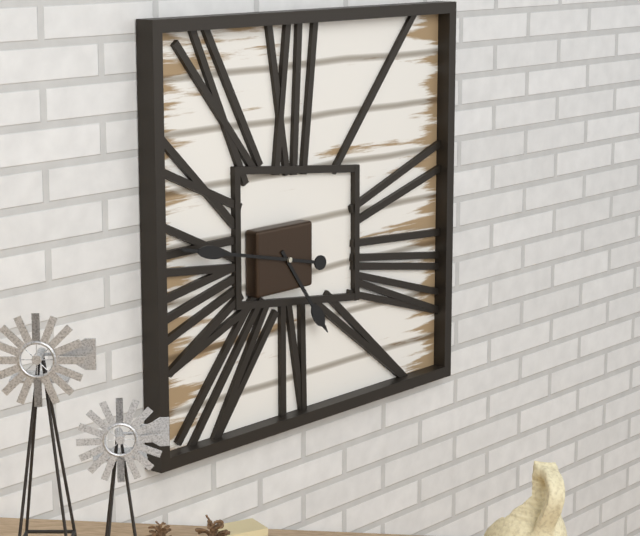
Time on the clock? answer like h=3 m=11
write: h=4 m=47
